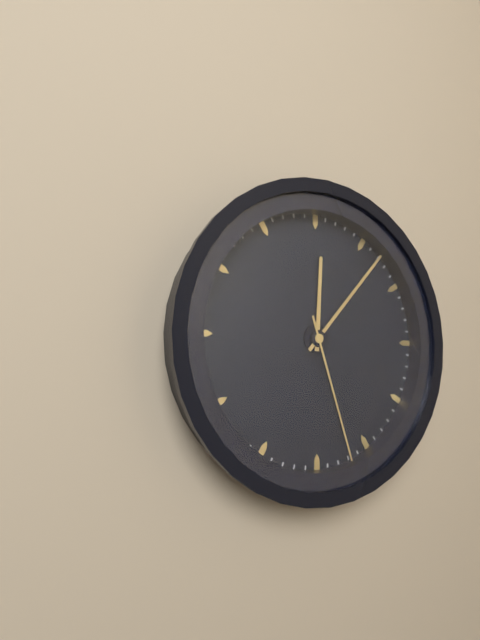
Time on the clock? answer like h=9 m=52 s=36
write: h=12 m=7 s=27
